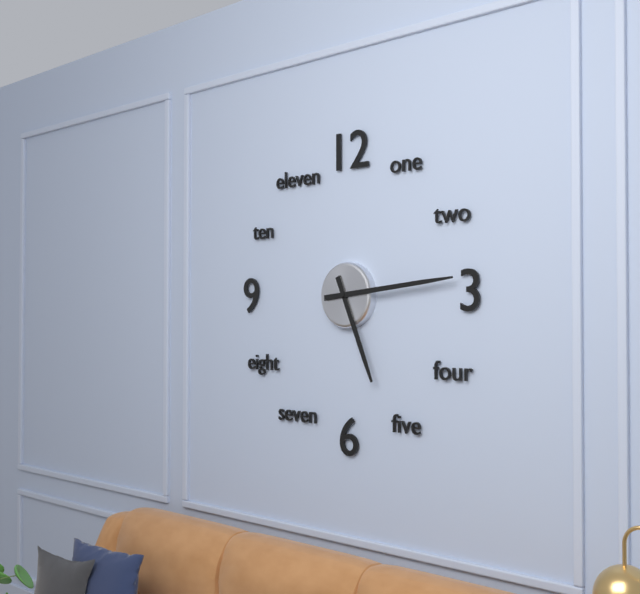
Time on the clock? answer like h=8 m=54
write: h=5 m=14
